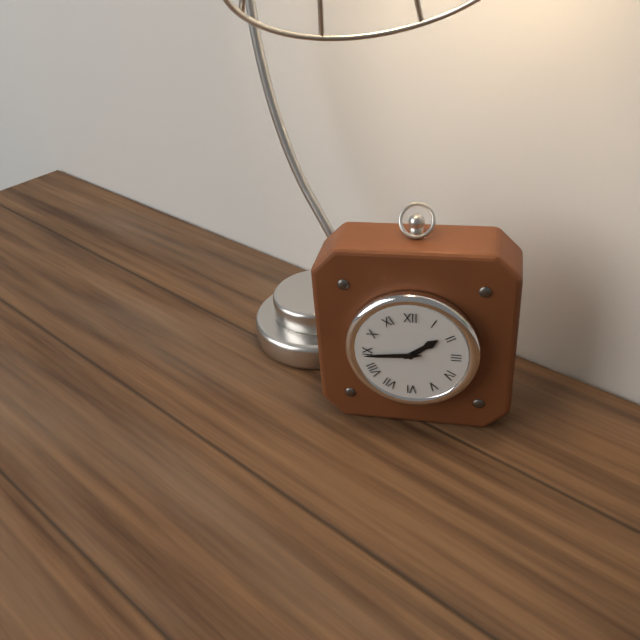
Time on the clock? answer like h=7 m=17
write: h=1 m=44
